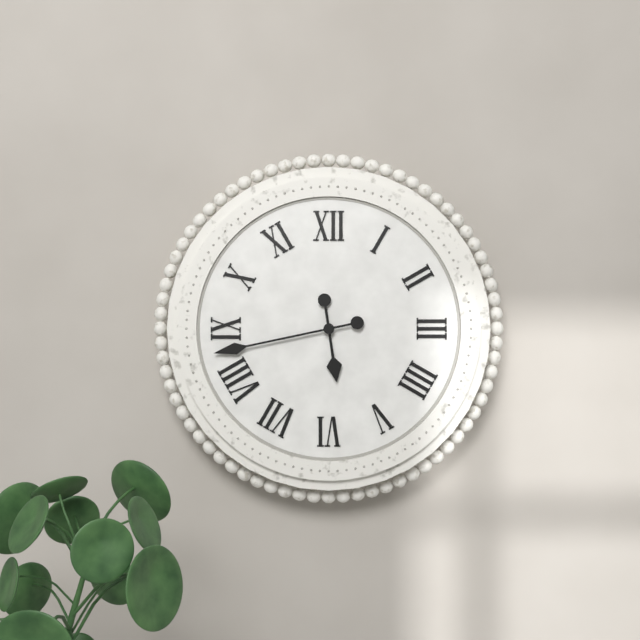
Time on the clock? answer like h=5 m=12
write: h=5 m=43
